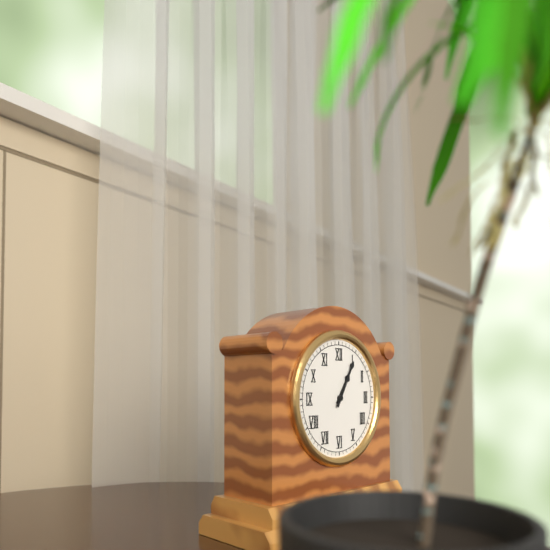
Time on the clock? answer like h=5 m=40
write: h=1 m=5
